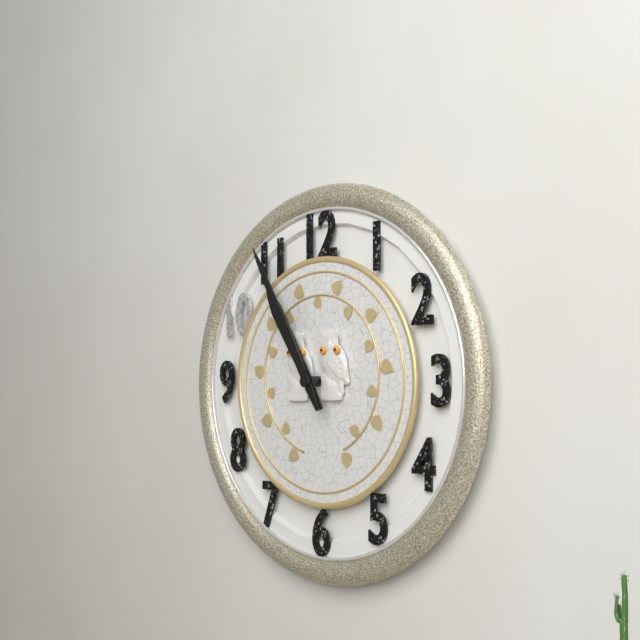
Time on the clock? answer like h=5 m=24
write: h=10 m=55
